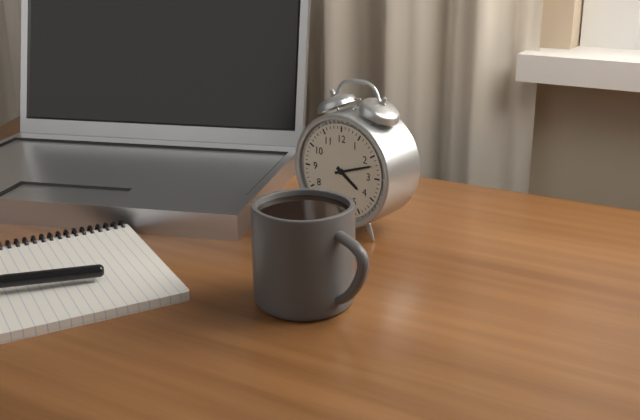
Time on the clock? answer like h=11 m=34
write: h=4 m=12
